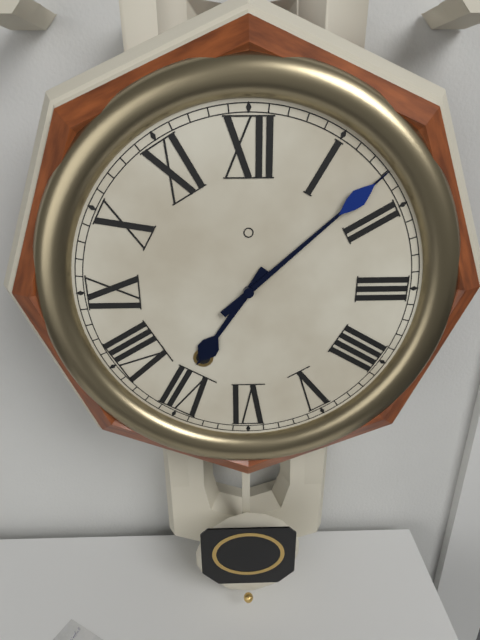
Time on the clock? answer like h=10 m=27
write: h=7 m=8
